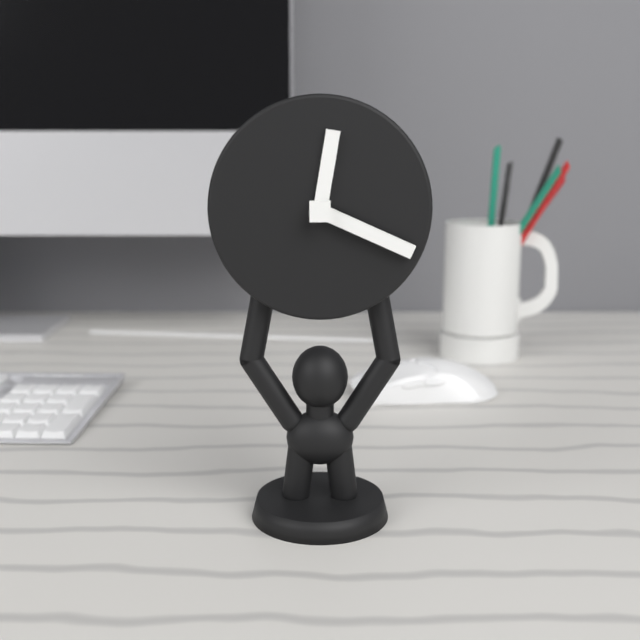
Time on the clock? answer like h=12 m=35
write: h=12 m=19
